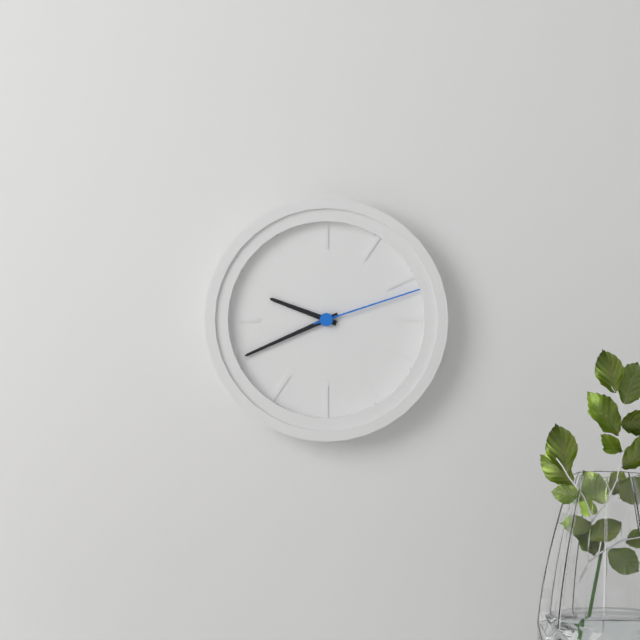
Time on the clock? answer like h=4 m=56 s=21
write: h=9 m=41 s=12
